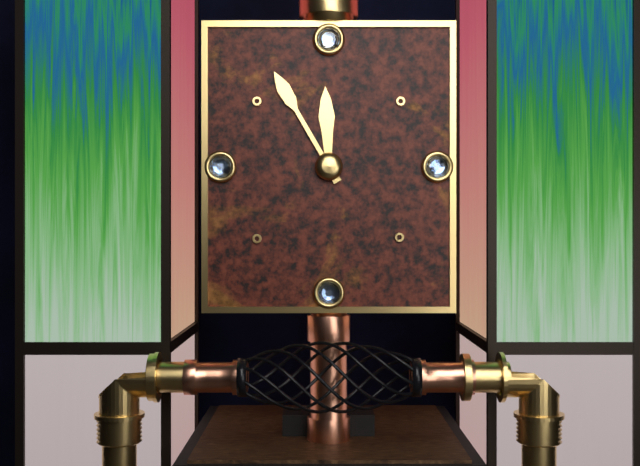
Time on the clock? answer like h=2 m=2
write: h=11 m=55
